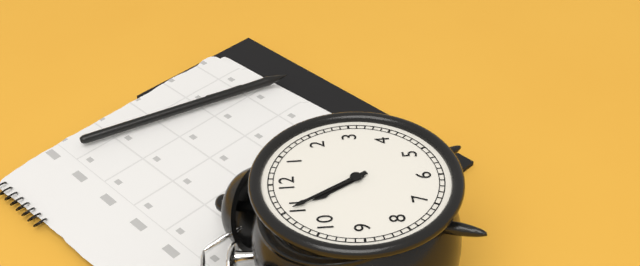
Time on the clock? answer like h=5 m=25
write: h=10 m=55
